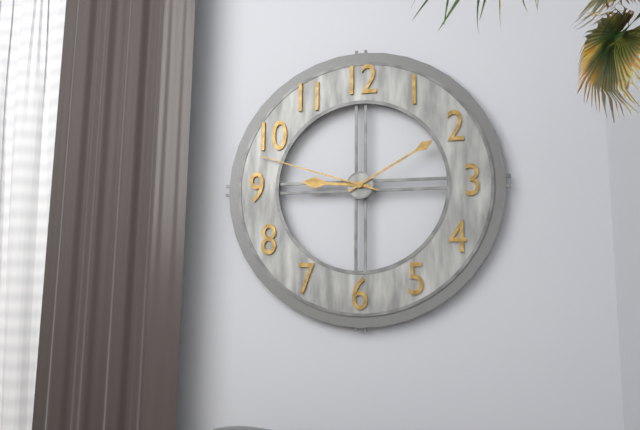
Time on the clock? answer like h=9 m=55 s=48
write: h=9 m=10 s=48
